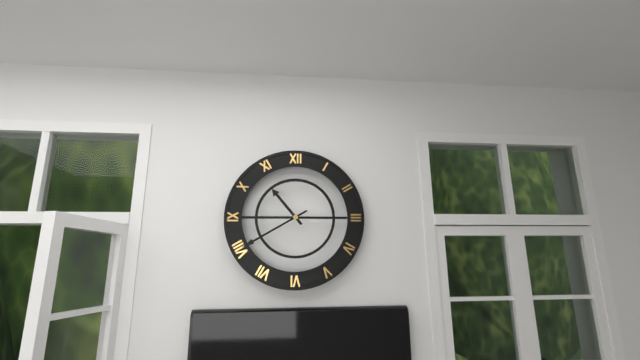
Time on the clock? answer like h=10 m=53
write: h=10 m=40
